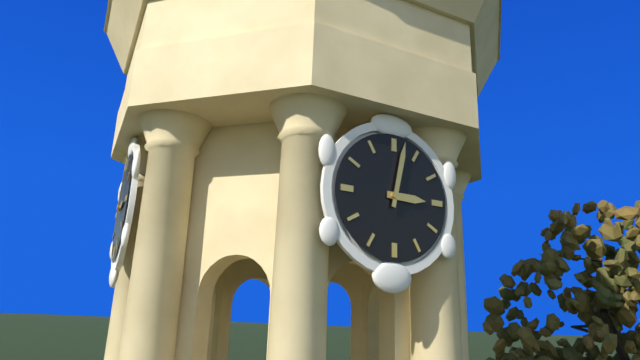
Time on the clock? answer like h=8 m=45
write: h=3 m=2
